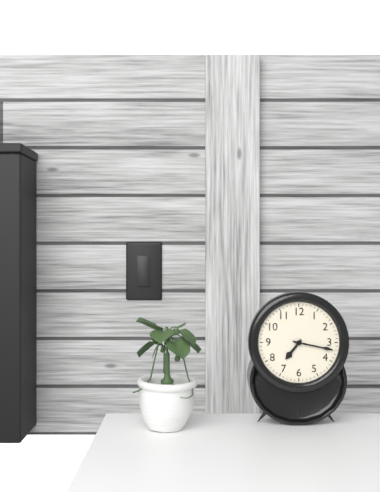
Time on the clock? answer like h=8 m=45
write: h=7 m=17
